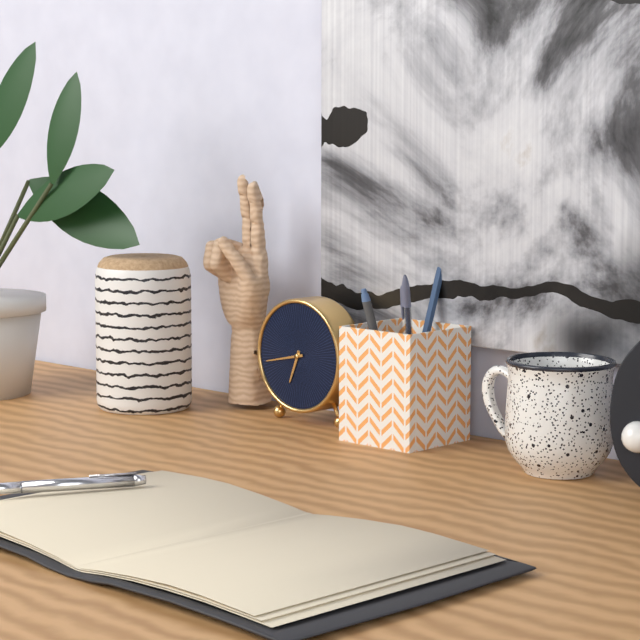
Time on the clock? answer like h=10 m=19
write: h=6 m=43
